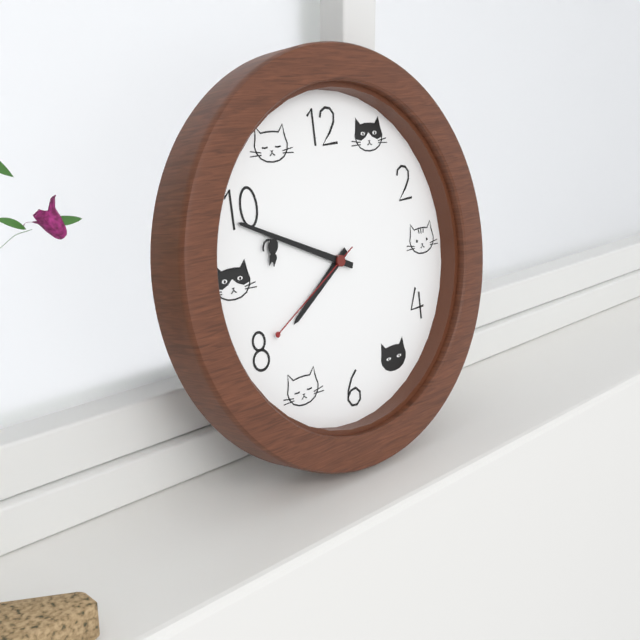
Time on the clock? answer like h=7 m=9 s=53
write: h=7 m=49 s=40
